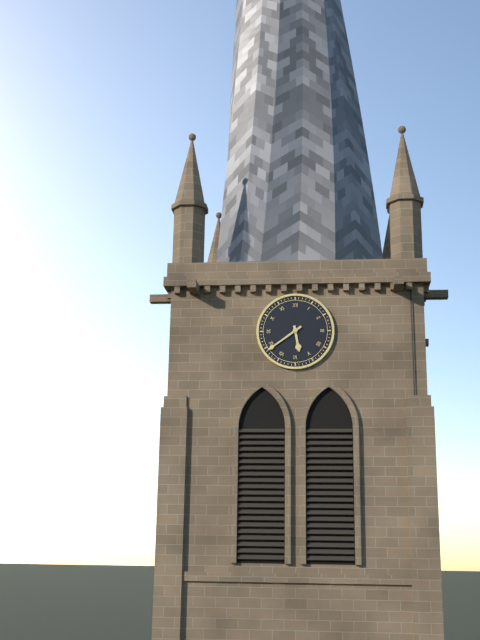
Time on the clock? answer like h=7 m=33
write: h=5 m=39
